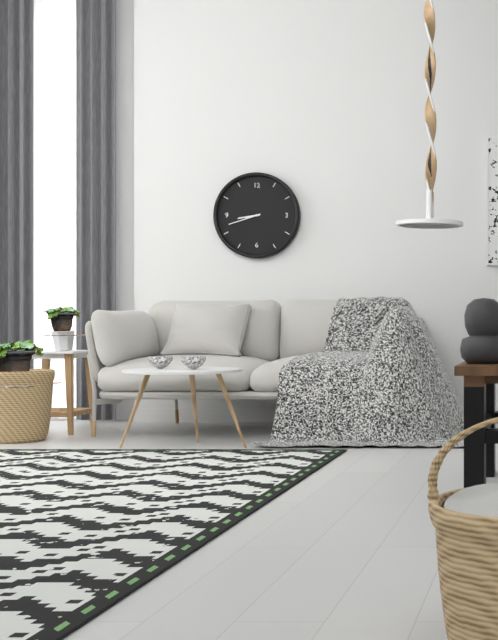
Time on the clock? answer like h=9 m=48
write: h=8 m=42
